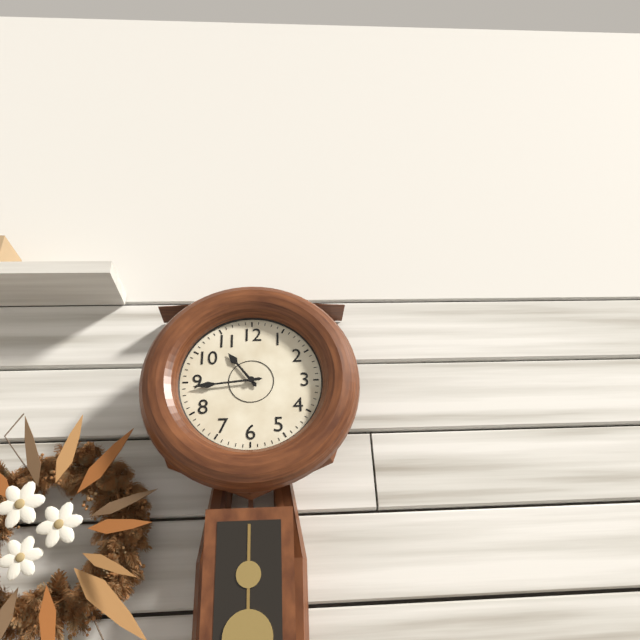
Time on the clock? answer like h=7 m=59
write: h=10 m=44
